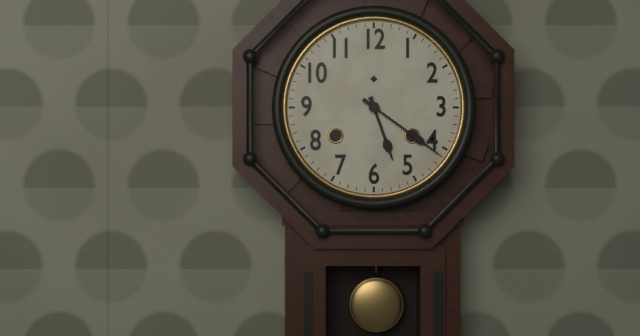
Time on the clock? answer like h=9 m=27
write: h=5 m=21
